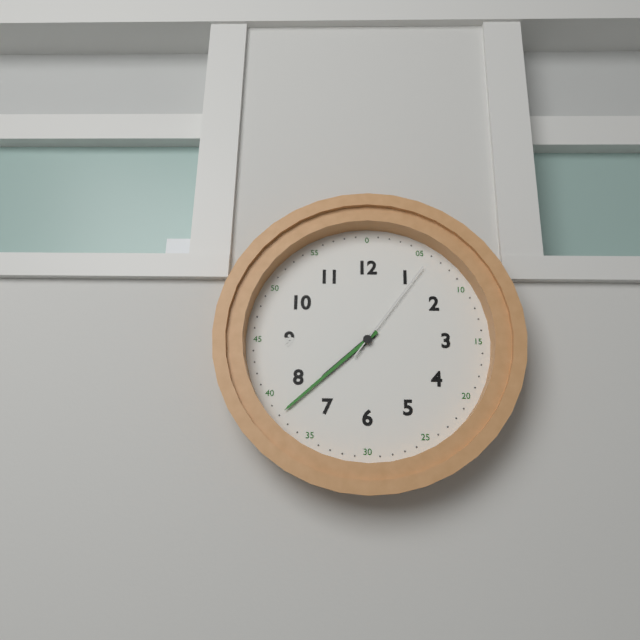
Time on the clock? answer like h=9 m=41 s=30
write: h=7 m=38 s=6
